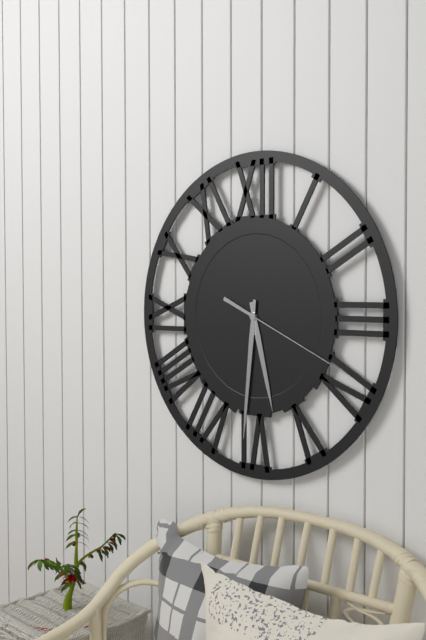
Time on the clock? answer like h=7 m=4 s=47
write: h=5 m=31 s=19
